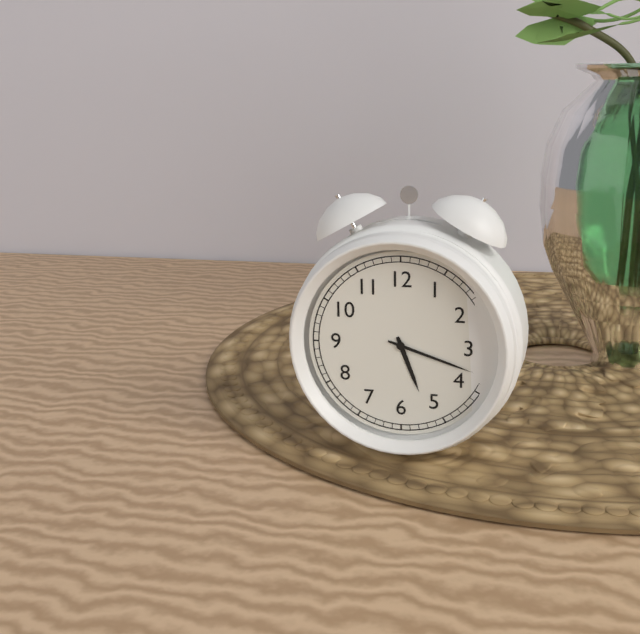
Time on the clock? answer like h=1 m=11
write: h=5 m=18
